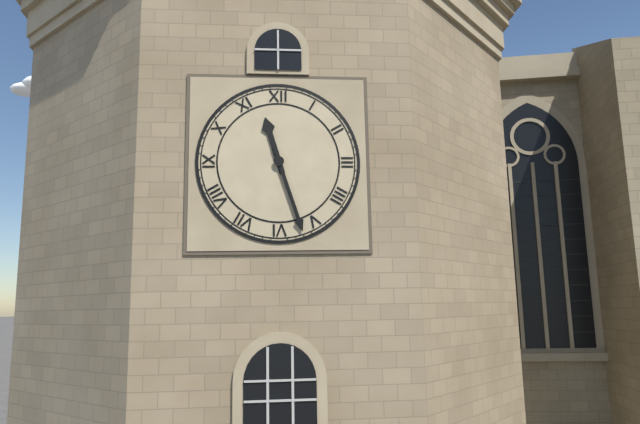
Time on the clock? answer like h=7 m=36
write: h=11 m=27
